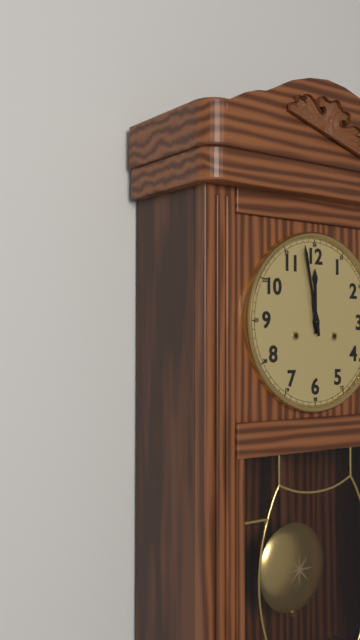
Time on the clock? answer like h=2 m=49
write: h=11 m=58
